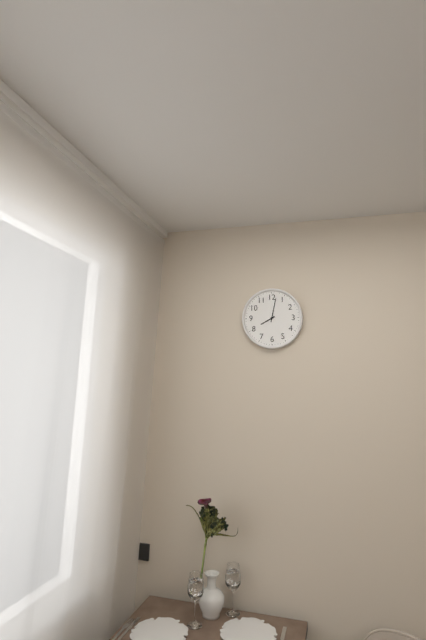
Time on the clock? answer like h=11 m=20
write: h=8 m=2
